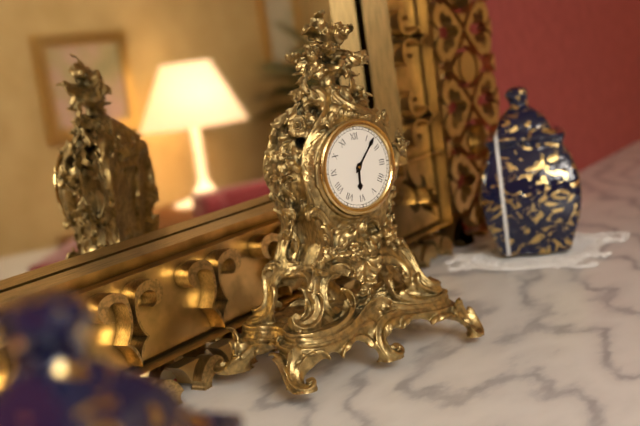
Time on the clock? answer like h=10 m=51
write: h=6 m=7
